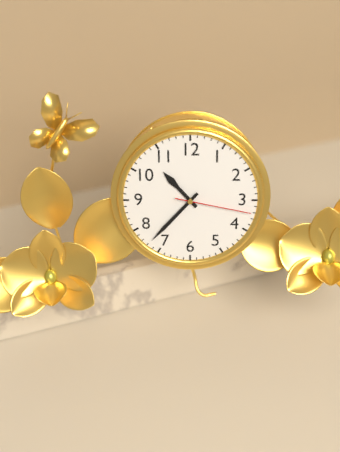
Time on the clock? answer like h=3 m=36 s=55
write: h=10 m=37 s=17
